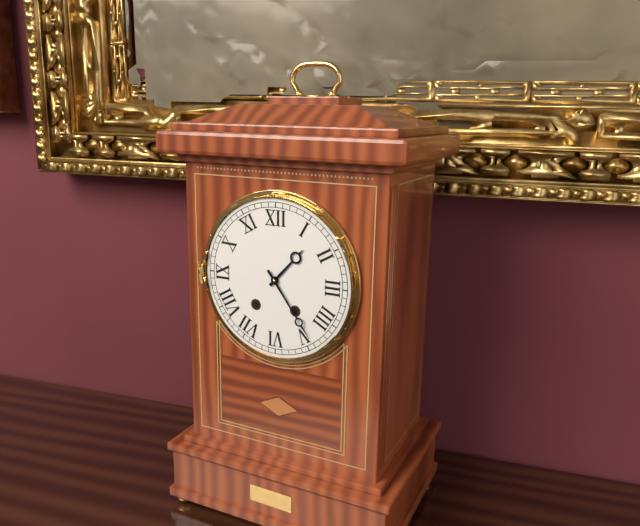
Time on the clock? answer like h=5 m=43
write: h=1 m=24
